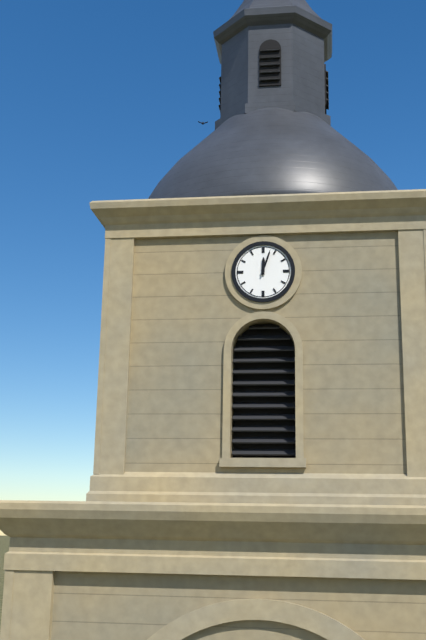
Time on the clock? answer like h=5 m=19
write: h=12 m=3
